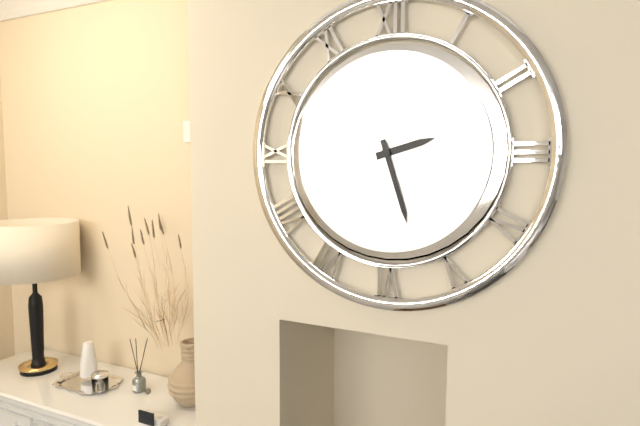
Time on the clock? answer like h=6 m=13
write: h=2 m=27
